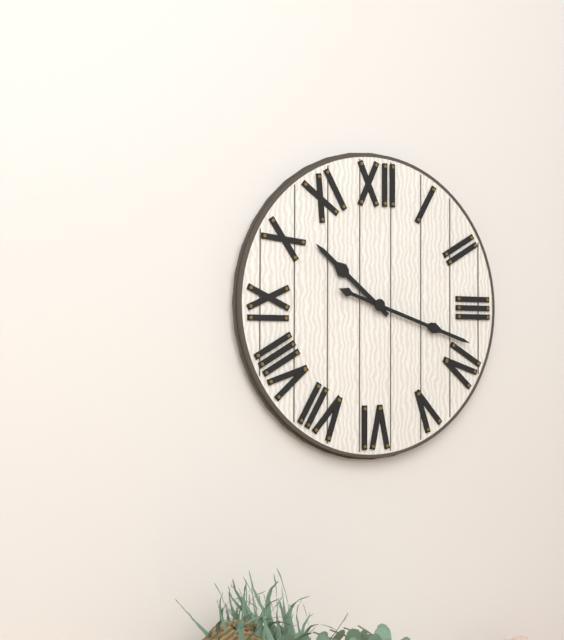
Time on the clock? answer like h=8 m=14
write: h=10 m=18
